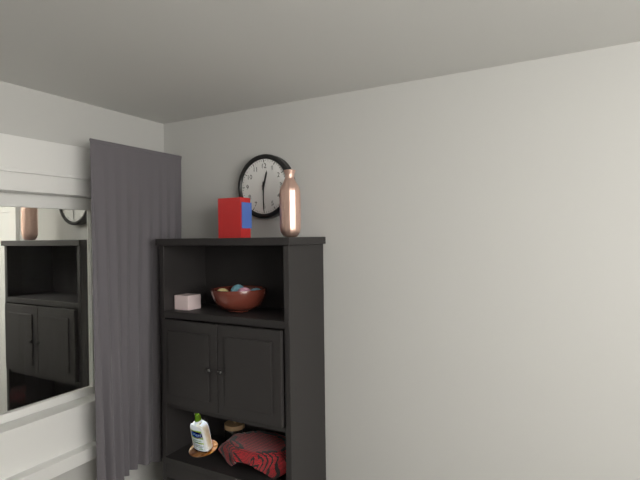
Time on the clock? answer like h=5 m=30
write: h=12 m=30
